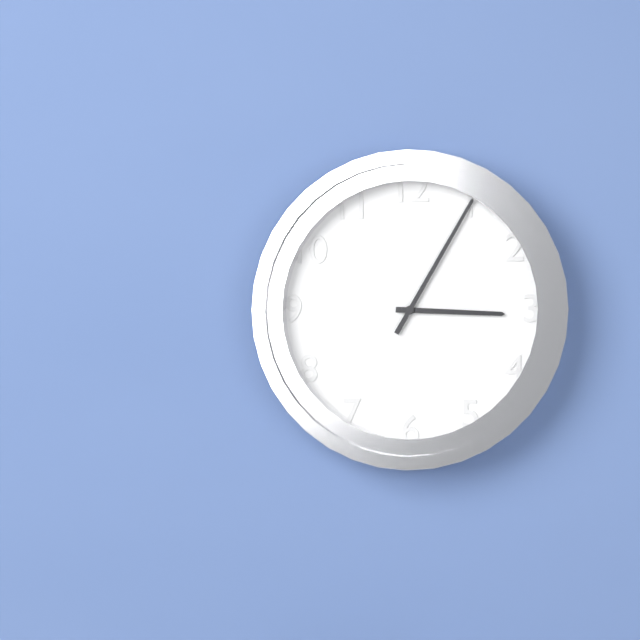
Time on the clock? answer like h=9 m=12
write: h=3 m=5
